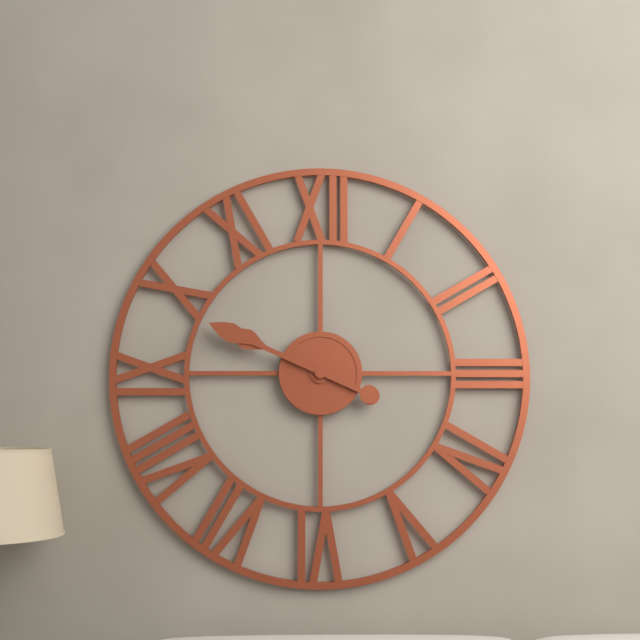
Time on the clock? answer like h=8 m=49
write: h=9 m=49
